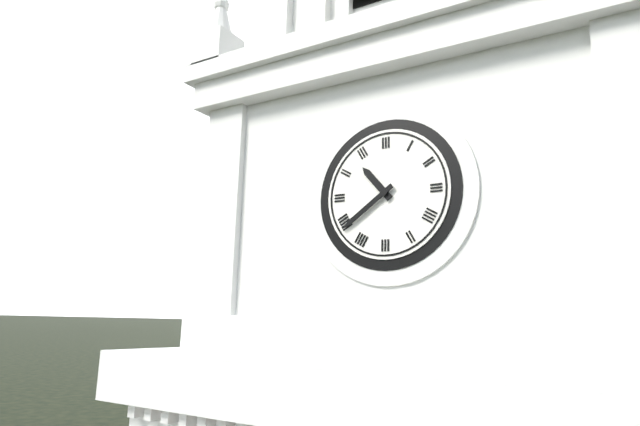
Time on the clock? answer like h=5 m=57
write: h=10 m=39
